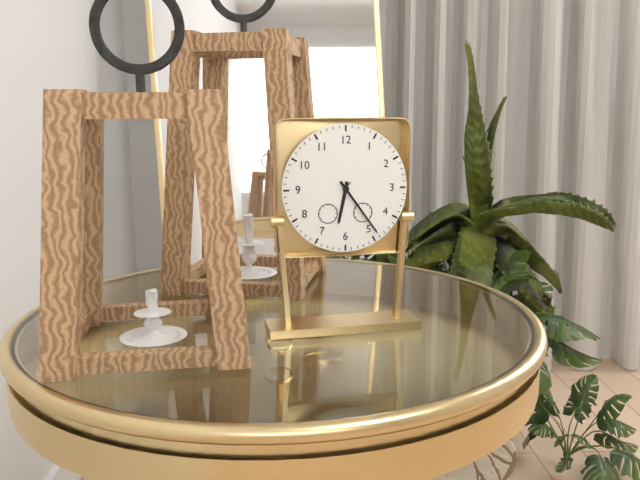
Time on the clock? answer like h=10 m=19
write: h=6 m=24
